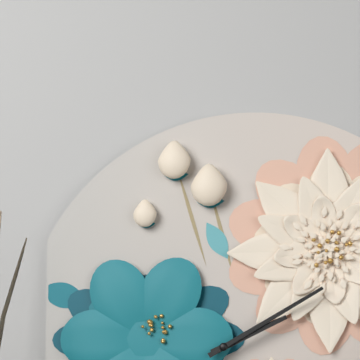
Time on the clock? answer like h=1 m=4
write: h=2 m=10
